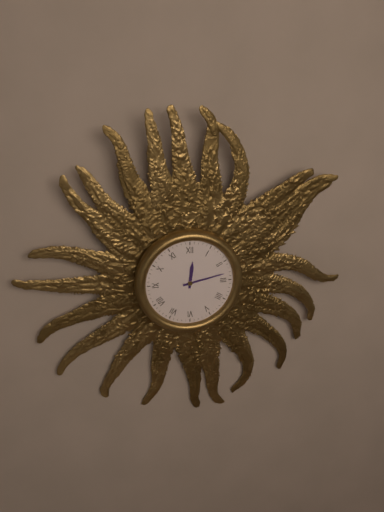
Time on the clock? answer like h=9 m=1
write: h=12 m=13
